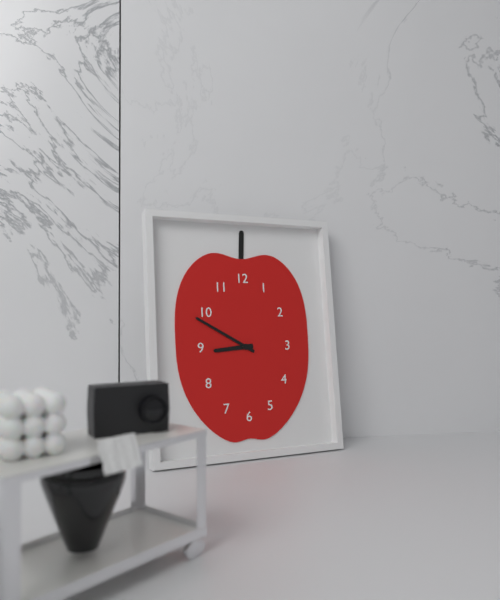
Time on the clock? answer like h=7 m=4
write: h=8 m=50
